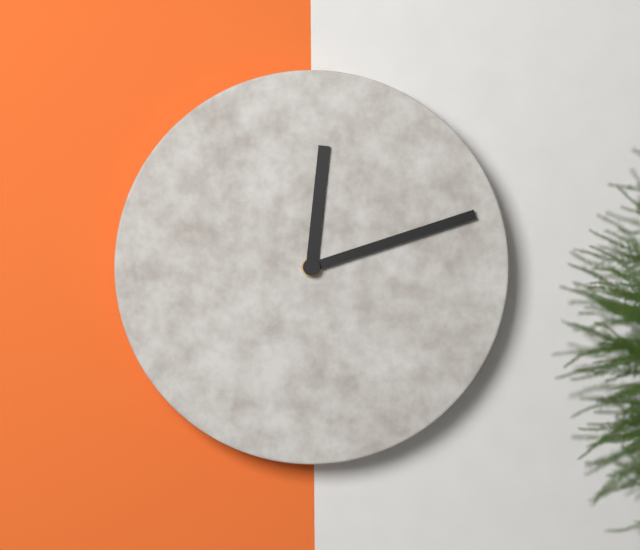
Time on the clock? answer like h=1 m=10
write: h=12 m=12
